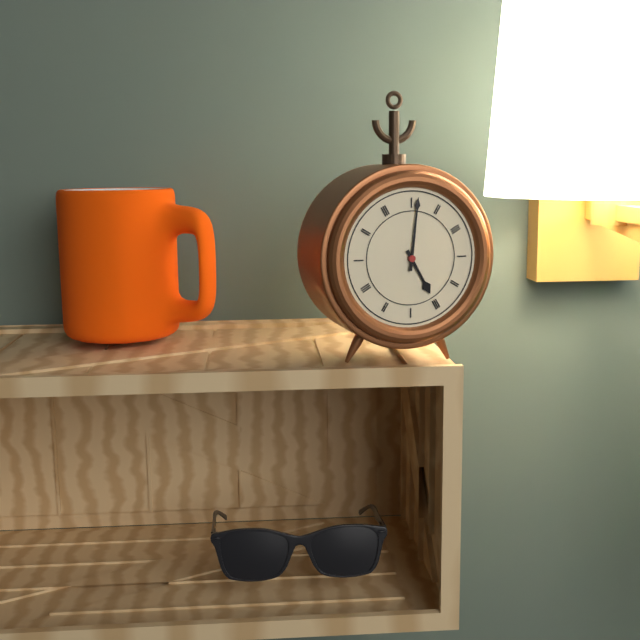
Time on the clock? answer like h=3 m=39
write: h=5 m=1
